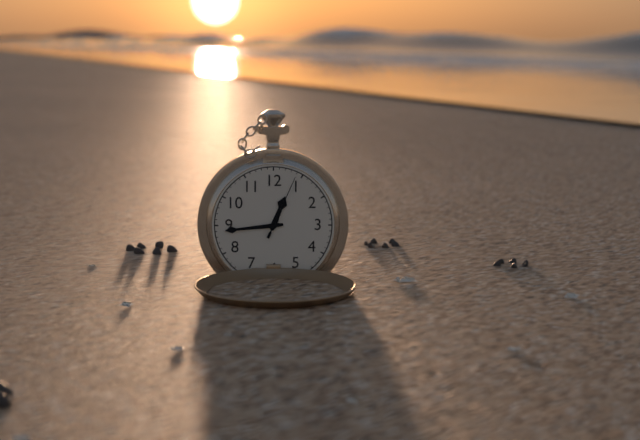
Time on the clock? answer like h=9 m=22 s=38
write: h=12 m=44 s=4
